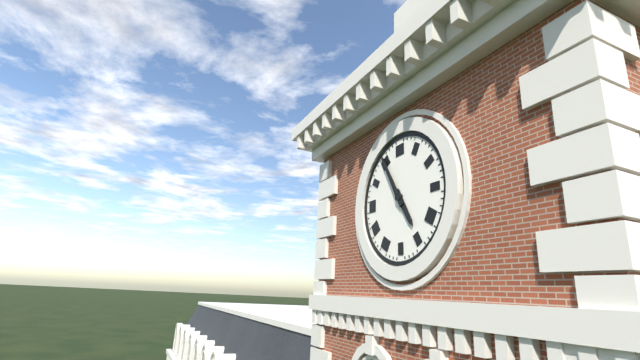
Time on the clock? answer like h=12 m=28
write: h=4 m=55
